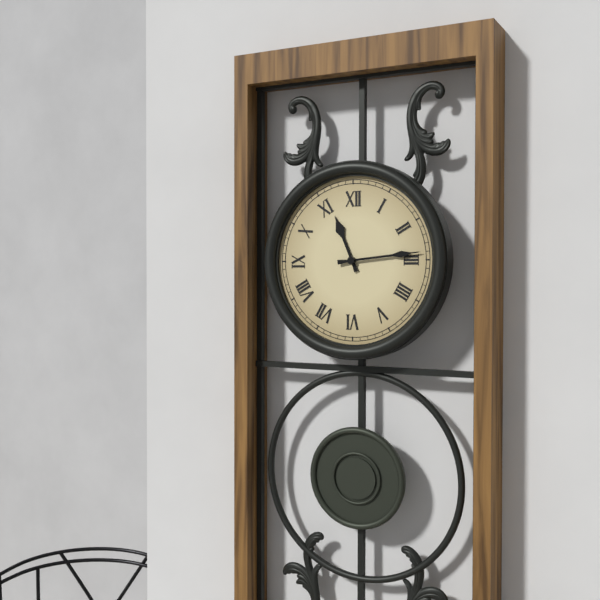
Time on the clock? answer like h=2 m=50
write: h=11 m=14
